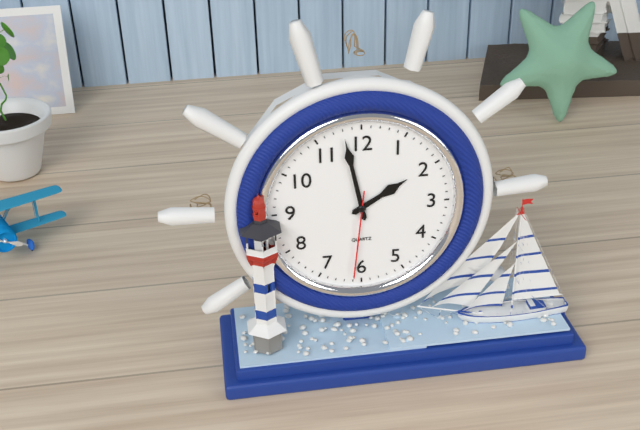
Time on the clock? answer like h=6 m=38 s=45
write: h=1 m=58 s=31
